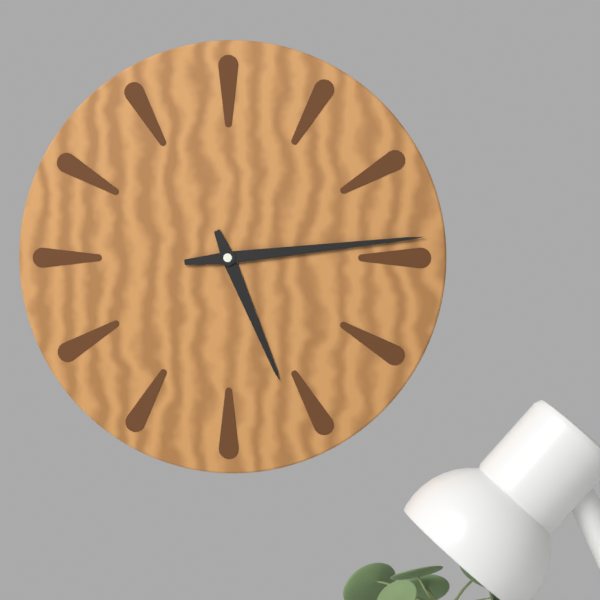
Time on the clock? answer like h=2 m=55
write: h=5 m=14
